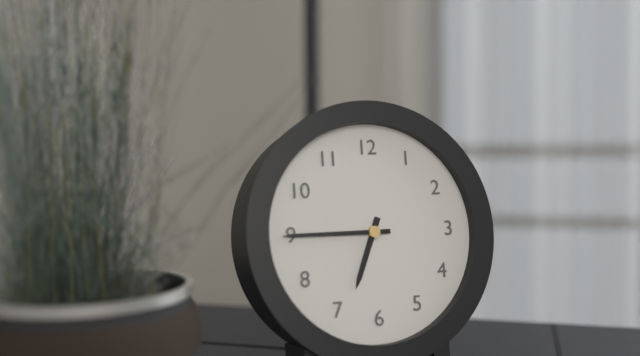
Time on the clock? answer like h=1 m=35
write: h=6 m=45
